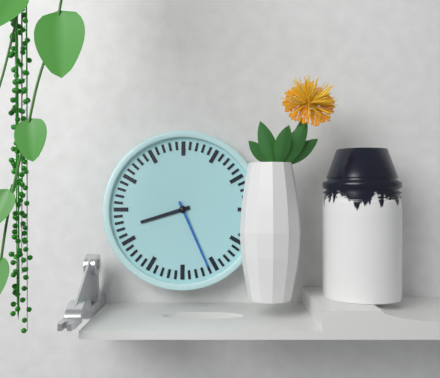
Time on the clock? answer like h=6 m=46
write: h=8 m=26
